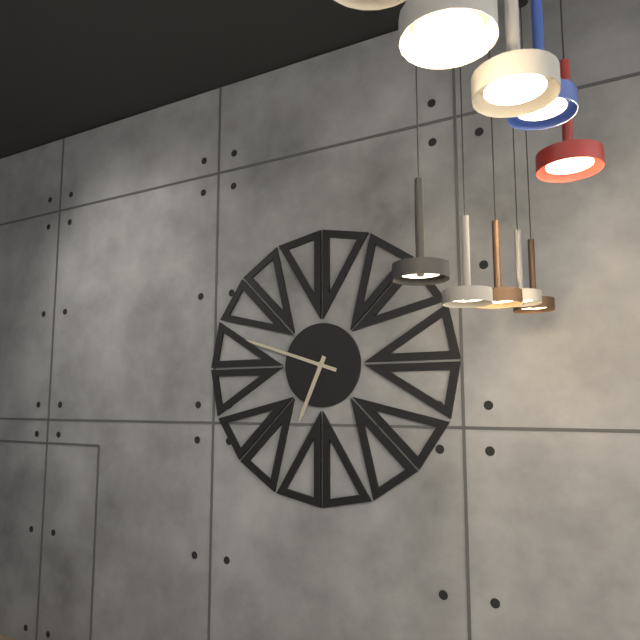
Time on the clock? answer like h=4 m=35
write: h=6 m=48
